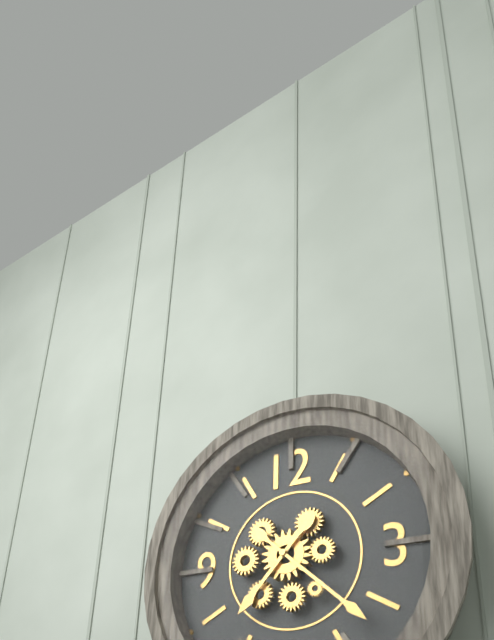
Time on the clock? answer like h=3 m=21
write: h=7 m=22
